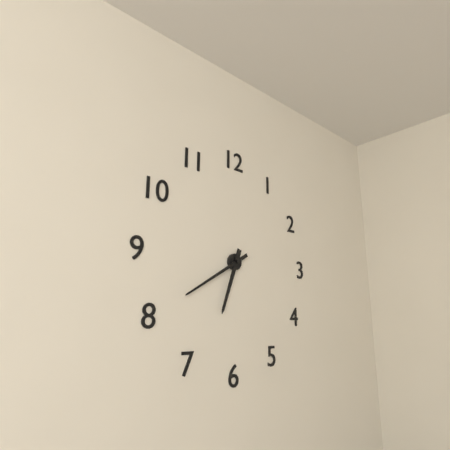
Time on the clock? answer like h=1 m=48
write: h=6 m=40
